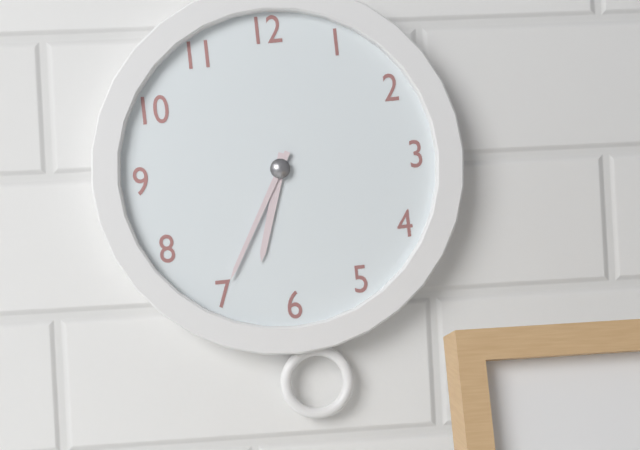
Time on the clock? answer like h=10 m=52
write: h=6 m=35
